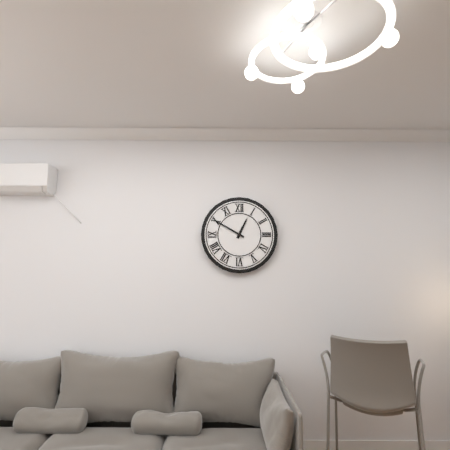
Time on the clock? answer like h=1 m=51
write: h=12 m=50
